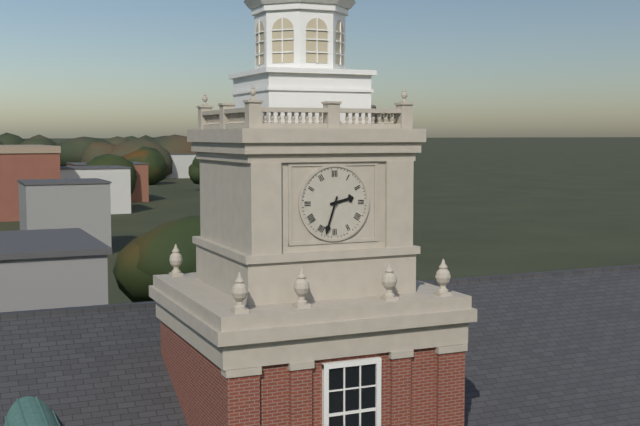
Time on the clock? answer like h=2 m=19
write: h=2 m=33
